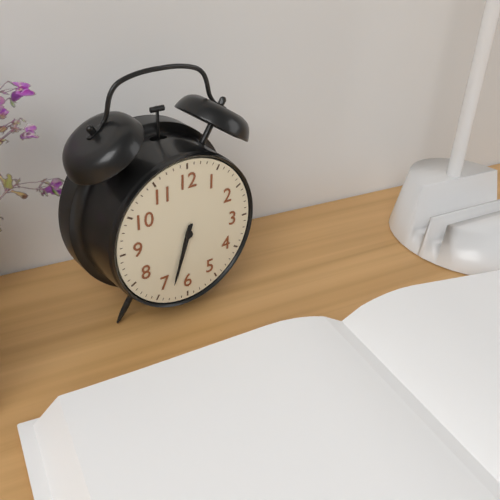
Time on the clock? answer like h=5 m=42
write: h=6 m=33
